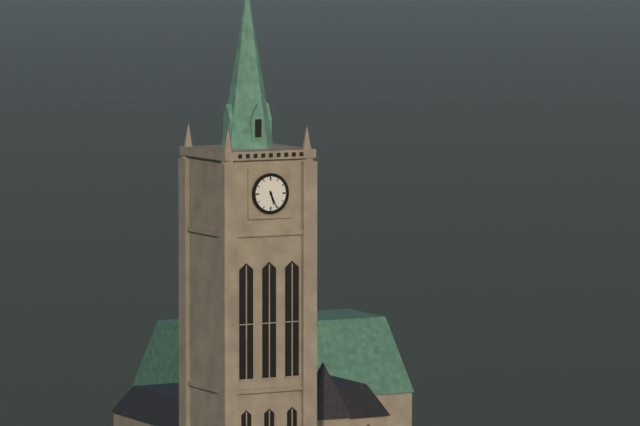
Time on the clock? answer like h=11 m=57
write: h=5 m=26
